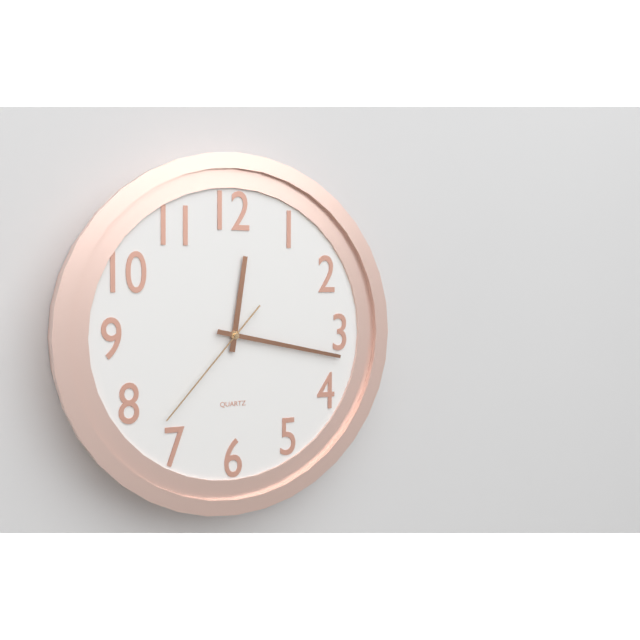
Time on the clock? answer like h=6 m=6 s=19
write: h=12 m=17 s=37
